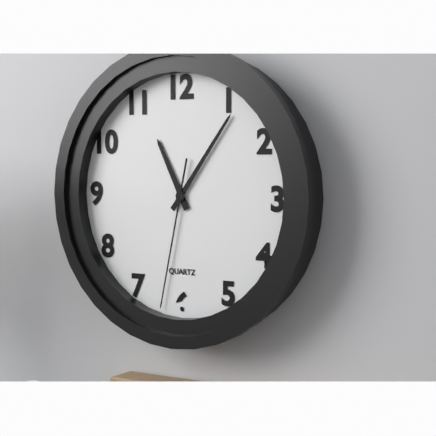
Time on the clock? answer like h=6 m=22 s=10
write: h=11 m=6 s=32
